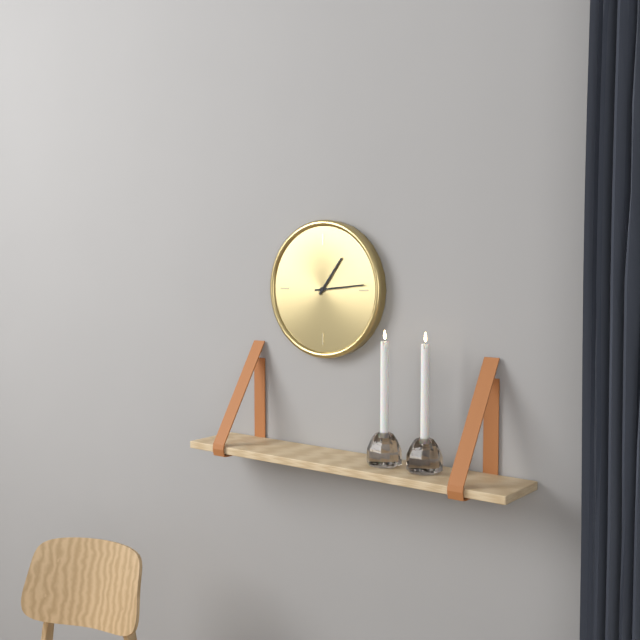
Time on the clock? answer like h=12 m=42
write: h=1 m=14
